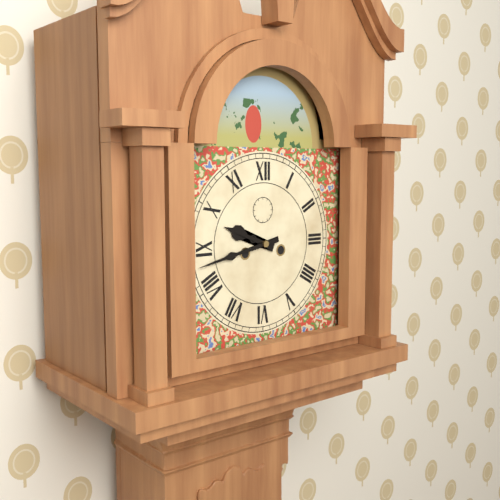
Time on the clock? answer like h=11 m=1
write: h=9 m=43
